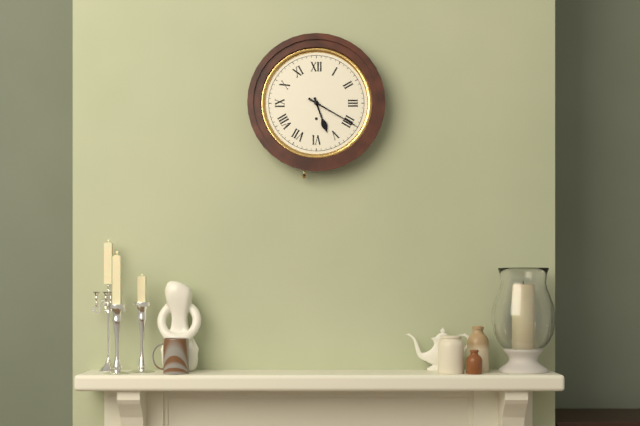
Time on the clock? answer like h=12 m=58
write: h=5 m=20
